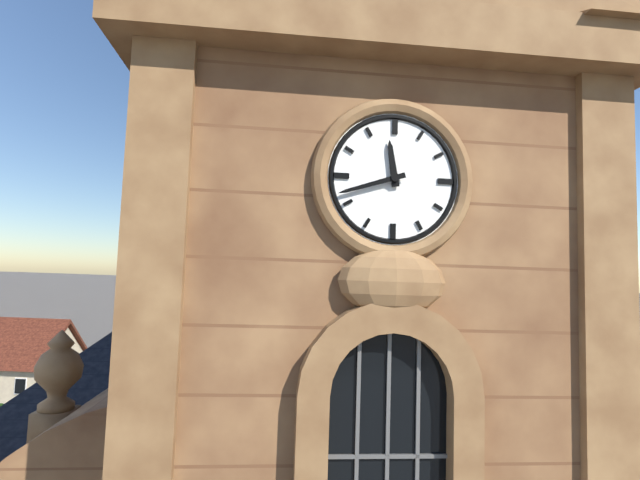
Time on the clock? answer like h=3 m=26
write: h=11 m=42
